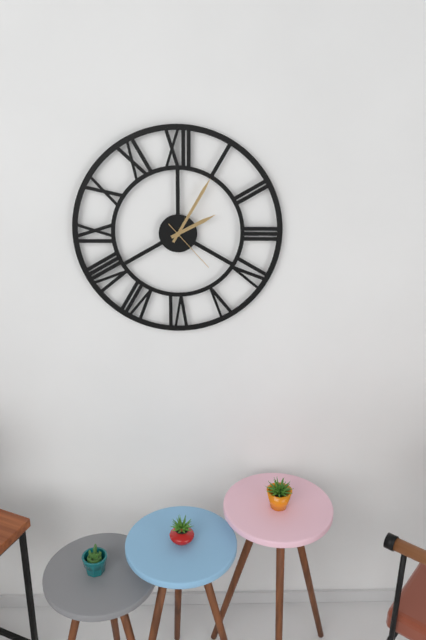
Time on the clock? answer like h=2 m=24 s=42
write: h=2 m=5 s=23
